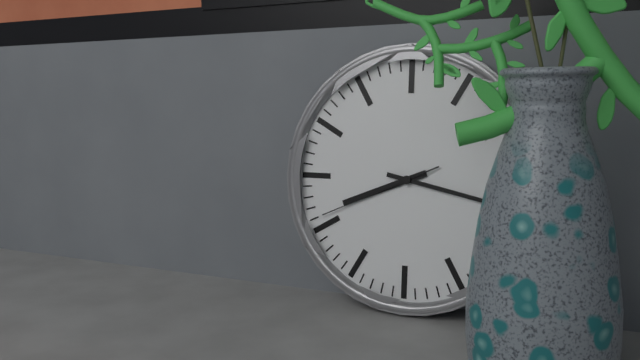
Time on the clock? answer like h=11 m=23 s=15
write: h=8 m=17 s=41
